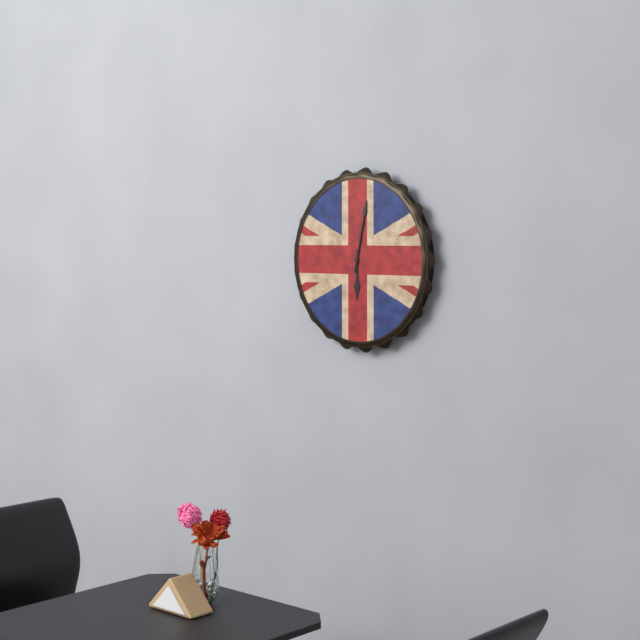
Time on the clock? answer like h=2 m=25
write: h=6 m=2
